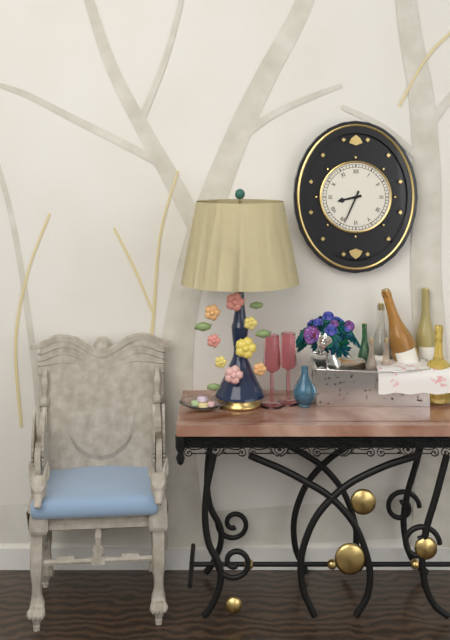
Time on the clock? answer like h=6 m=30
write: h=8 m=34
